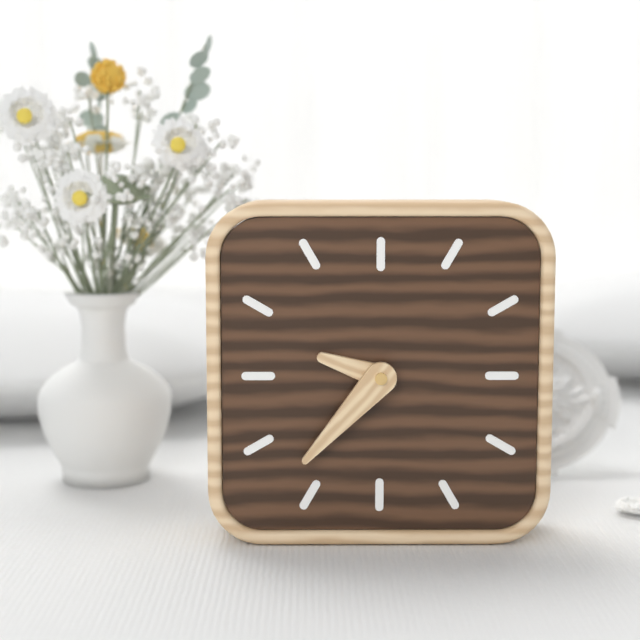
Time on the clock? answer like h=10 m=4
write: h=9 m=37
